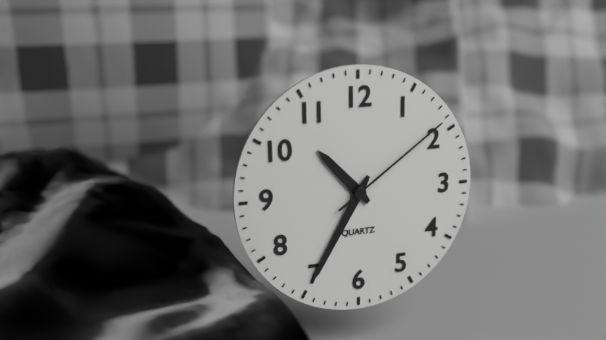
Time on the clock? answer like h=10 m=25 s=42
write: h=10 m=35 s=9
